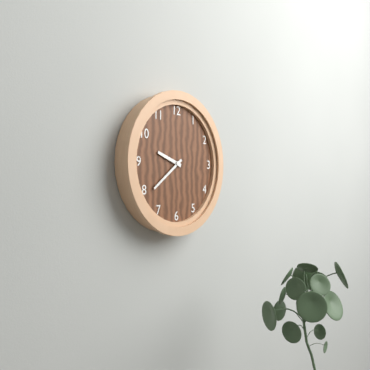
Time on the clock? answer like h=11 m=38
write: h=9 m=39
